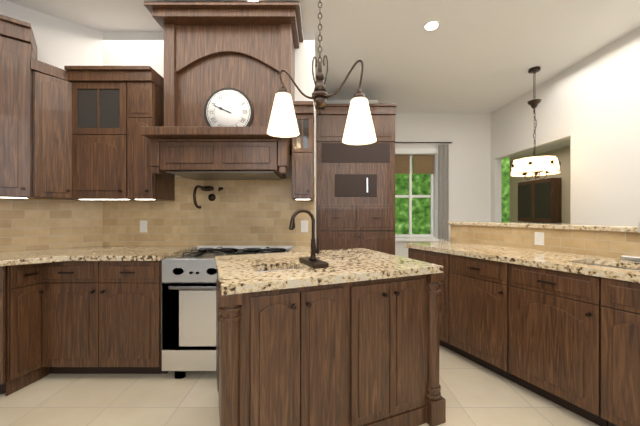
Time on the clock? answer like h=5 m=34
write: h=9 m=49
